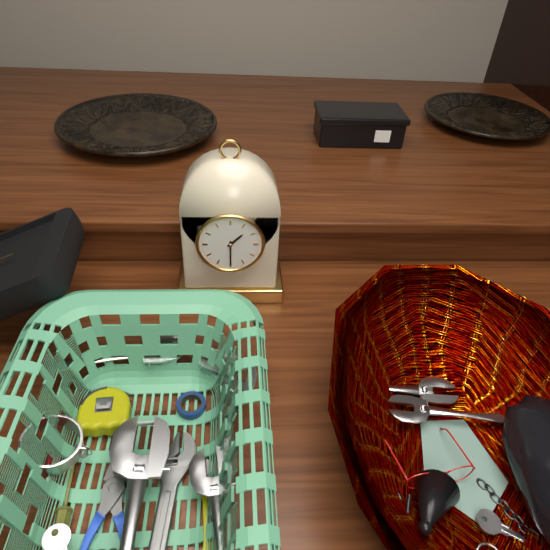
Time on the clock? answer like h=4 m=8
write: h=1 m=30
